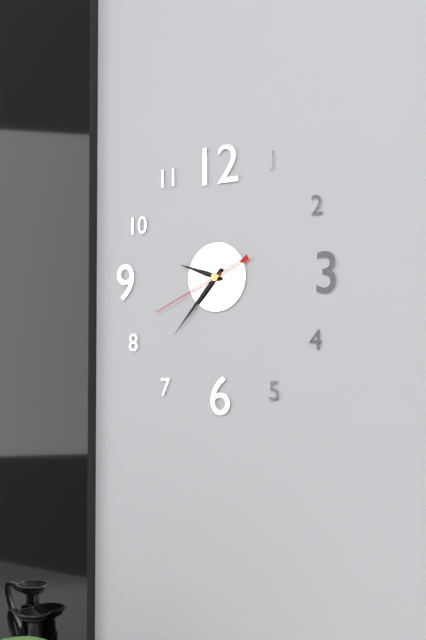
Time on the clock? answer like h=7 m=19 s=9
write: h=9 m=37 s=41
